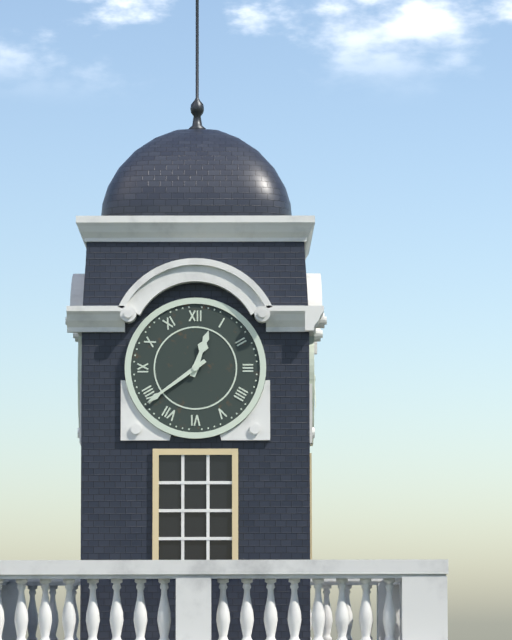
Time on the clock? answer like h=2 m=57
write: h=12 m=39
